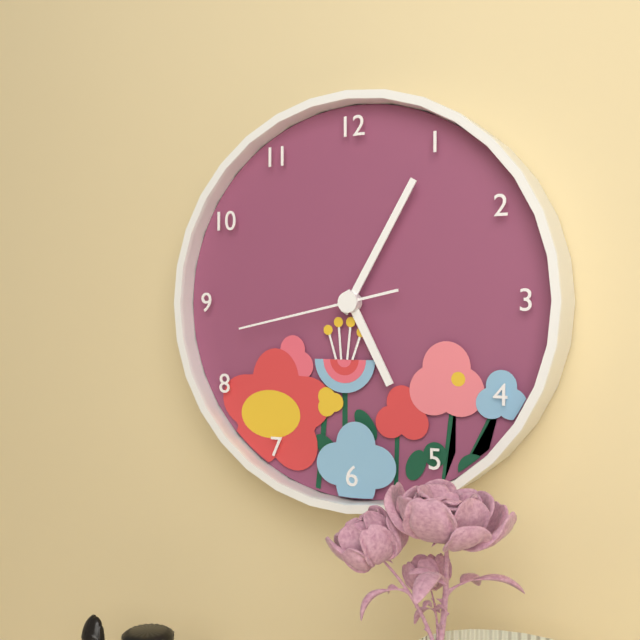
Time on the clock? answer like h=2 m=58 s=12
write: h=5 m=5 s=43
